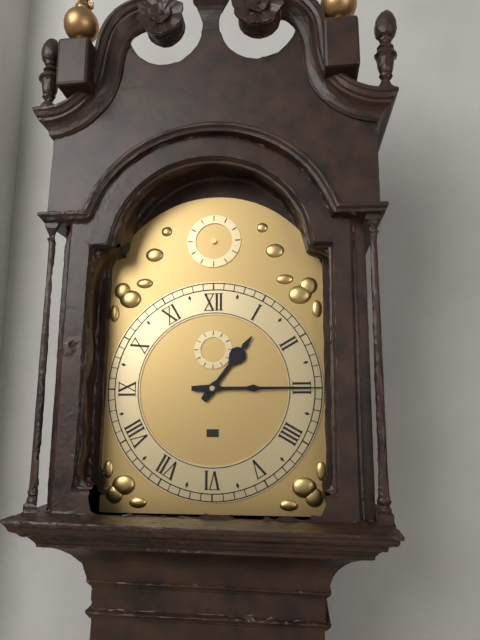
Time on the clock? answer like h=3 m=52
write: h=1 m=15
